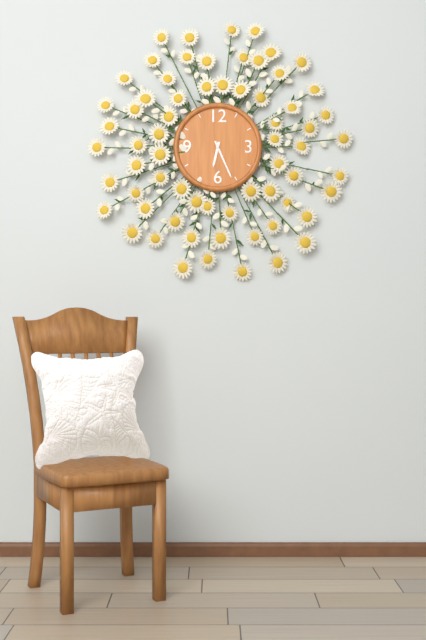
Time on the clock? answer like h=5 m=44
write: h=6 m=26
